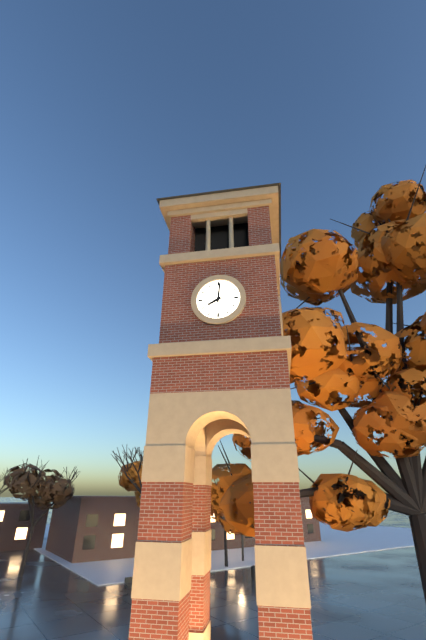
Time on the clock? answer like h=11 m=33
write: h=8 m=1
